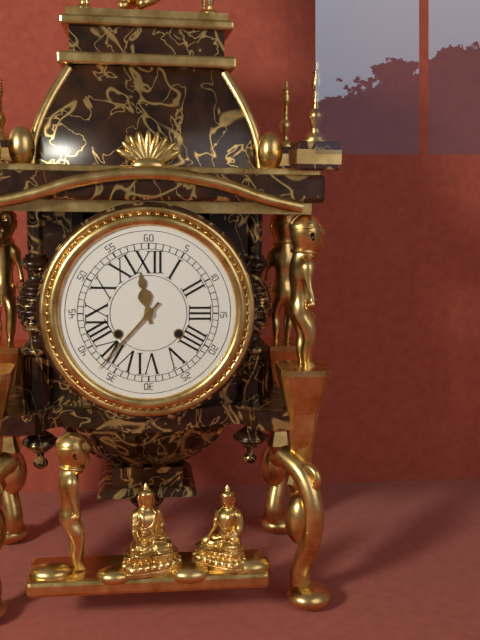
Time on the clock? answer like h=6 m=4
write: h=11 m=37
